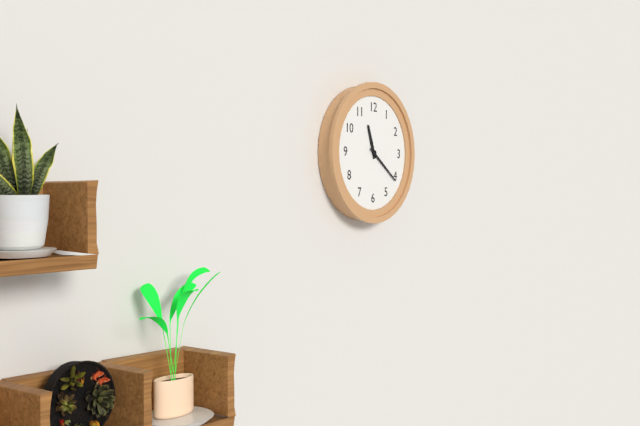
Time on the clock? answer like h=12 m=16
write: h=11 m=21
